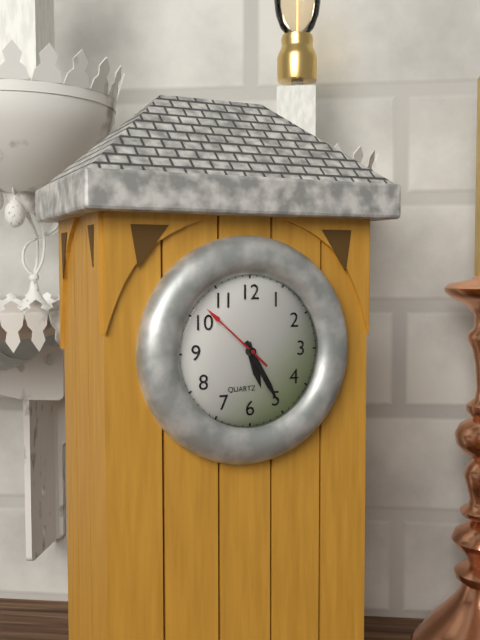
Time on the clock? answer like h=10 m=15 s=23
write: h=5 m=25 s=52
